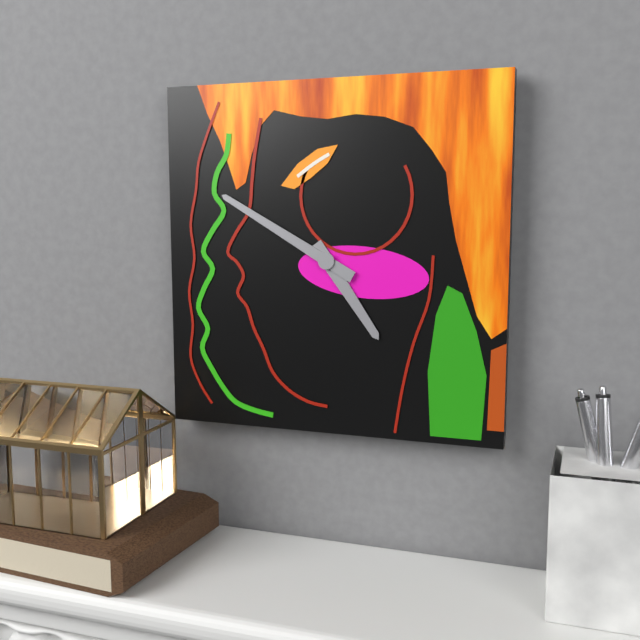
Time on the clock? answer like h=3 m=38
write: h=4 m=50
